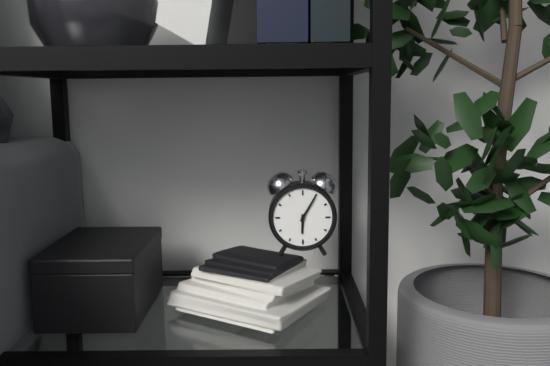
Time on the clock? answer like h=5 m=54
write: h=6 m=5
